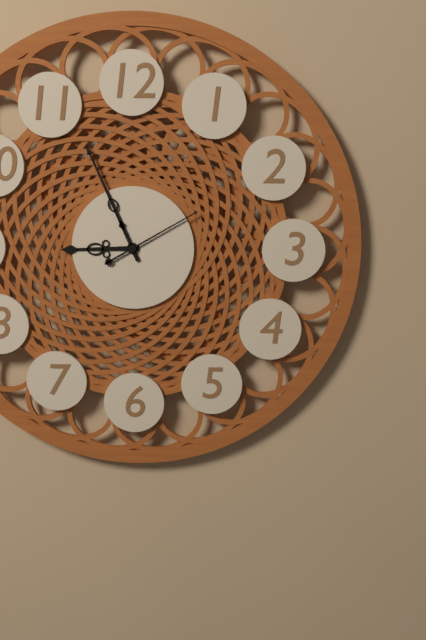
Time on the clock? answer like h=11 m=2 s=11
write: h=8 m=56 s=10
